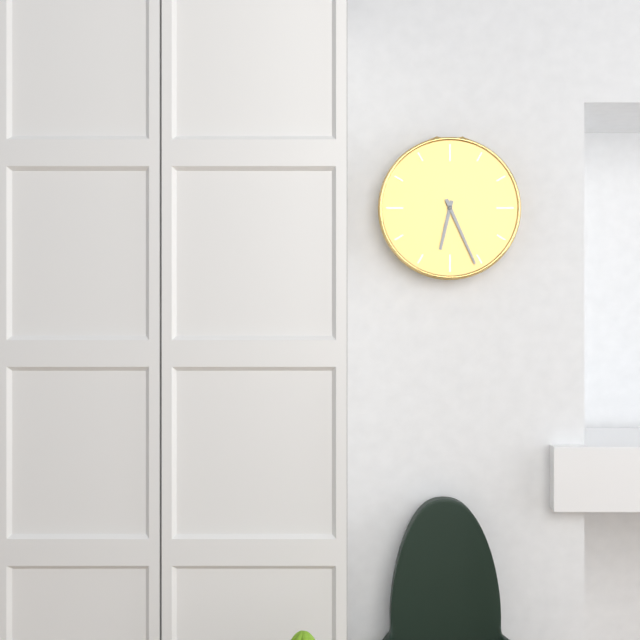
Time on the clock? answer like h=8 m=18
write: h=6 m=26
